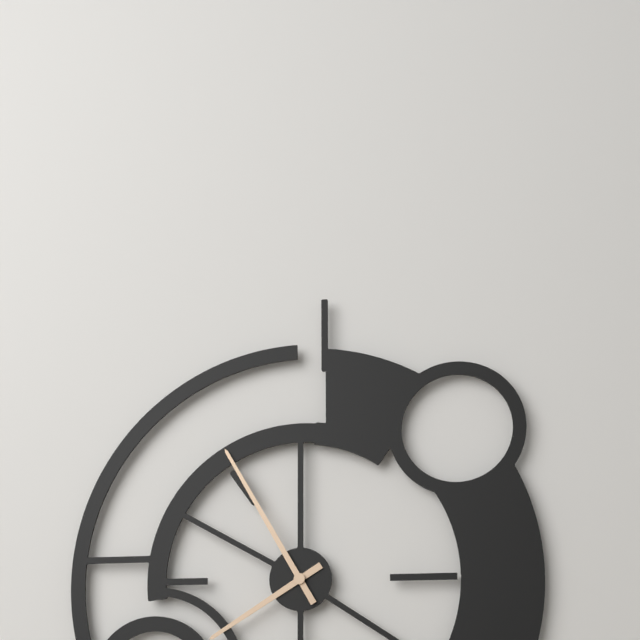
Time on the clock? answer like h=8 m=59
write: h=7 m=55
